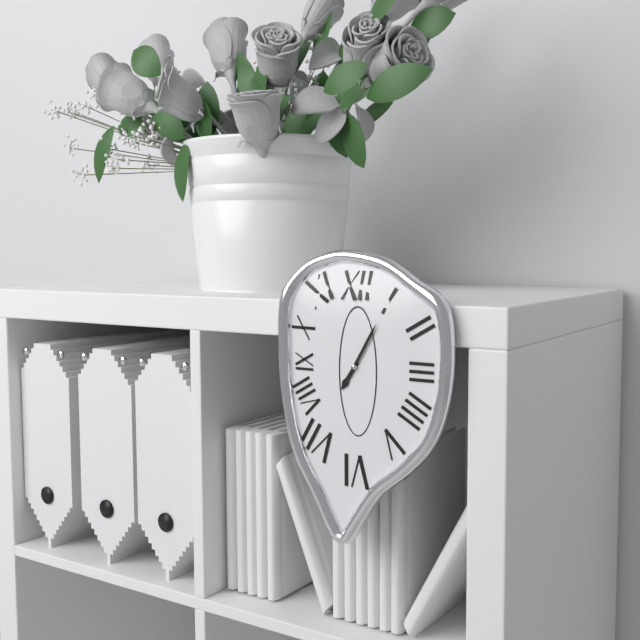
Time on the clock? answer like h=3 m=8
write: h=7 m=5
